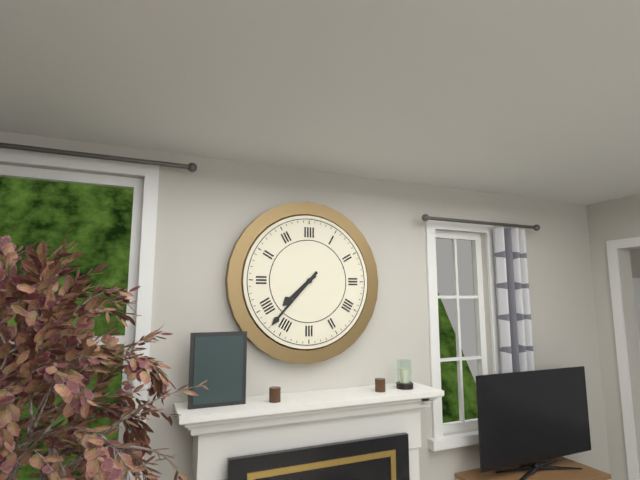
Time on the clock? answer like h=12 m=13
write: h=7 m=37
